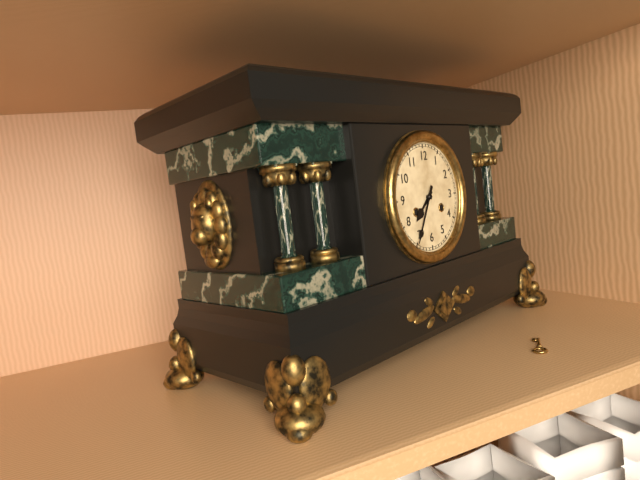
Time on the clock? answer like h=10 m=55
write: h=7 m=35
